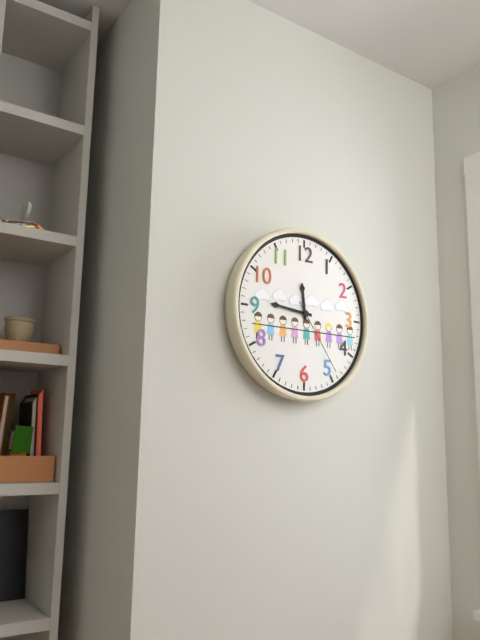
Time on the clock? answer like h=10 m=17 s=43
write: h=11 m=46 s=24
